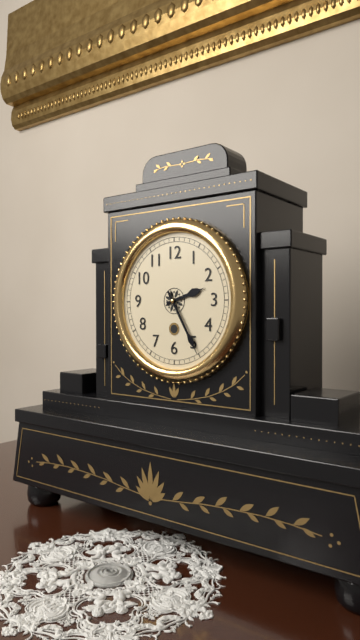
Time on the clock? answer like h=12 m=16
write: h=2 m=25
